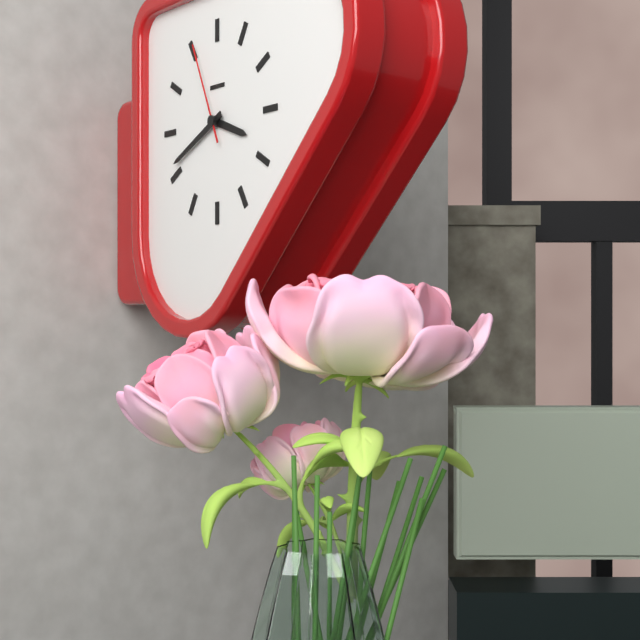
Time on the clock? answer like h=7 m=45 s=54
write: h=3 m=41 s=56
